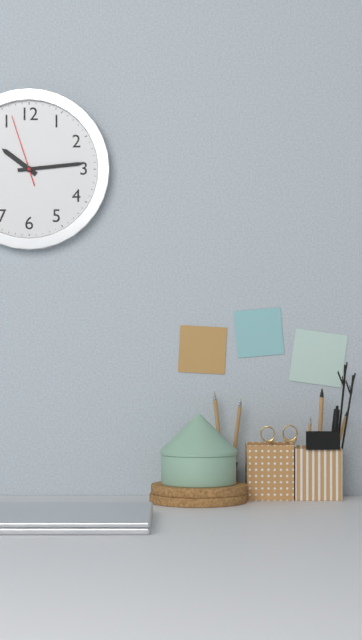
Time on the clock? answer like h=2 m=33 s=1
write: h=10 m=14 s=57
